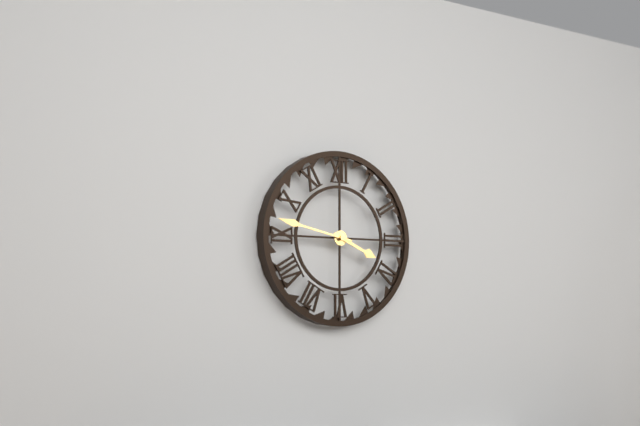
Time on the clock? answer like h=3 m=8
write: h=3 m=47
